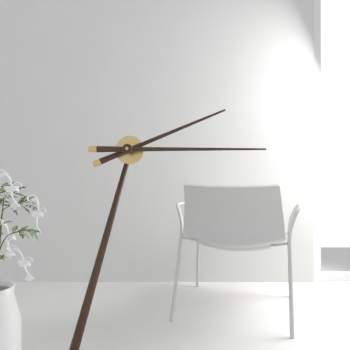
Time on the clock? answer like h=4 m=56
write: h=2 m=15
